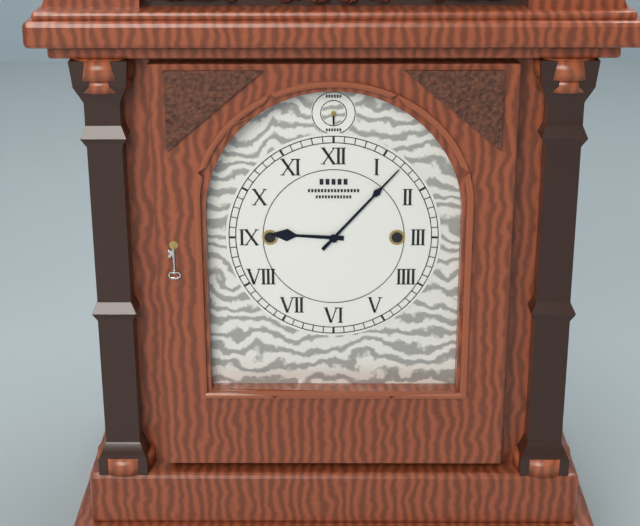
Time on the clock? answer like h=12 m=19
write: h=9 m=7
